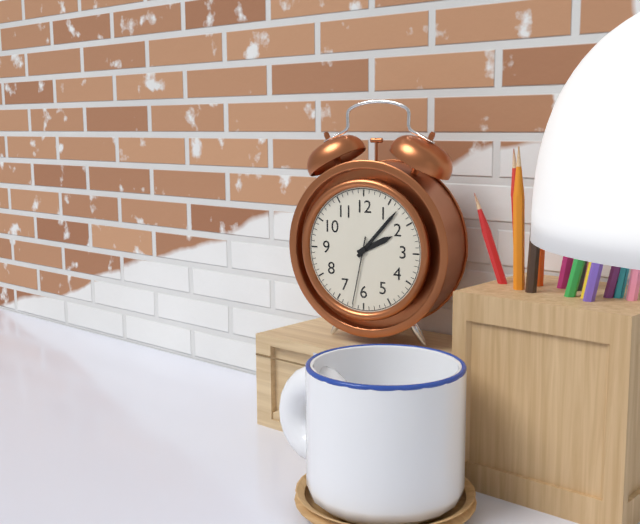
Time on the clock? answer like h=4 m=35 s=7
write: h=2 m=7 s=32
